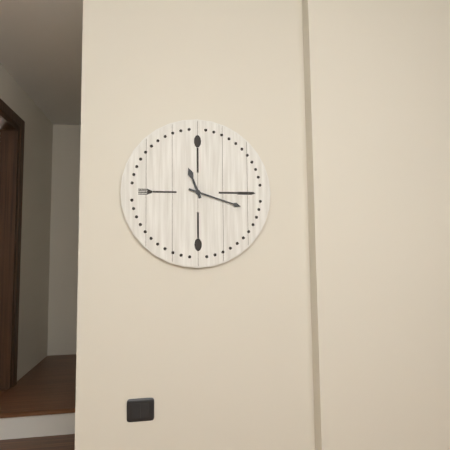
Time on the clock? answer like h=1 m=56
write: h=11 m=18
